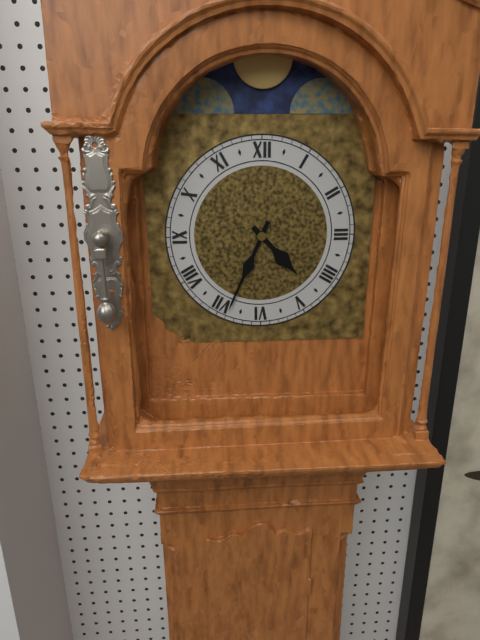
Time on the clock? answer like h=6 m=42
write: h=4 m=34
